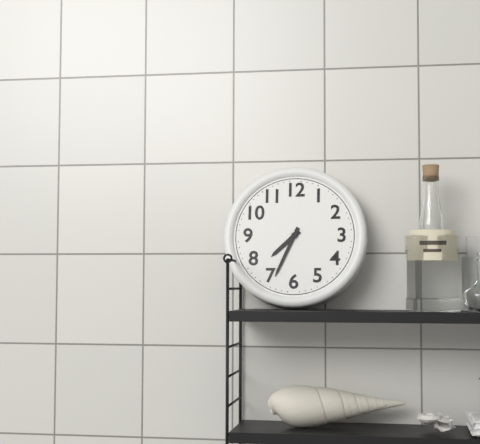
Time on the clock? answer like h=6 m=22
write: h=7 m=34
